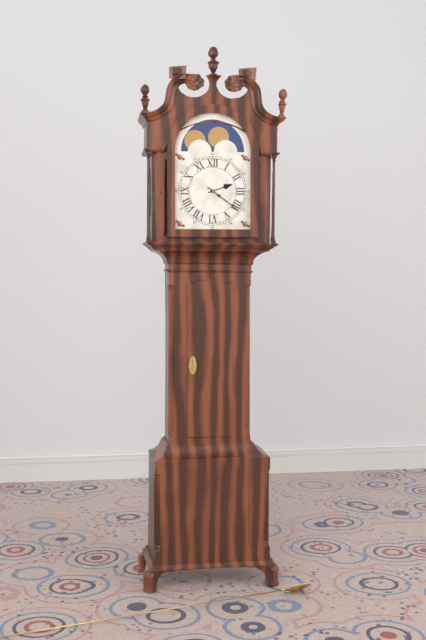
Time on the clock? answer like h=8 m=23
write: h=2 m=21
